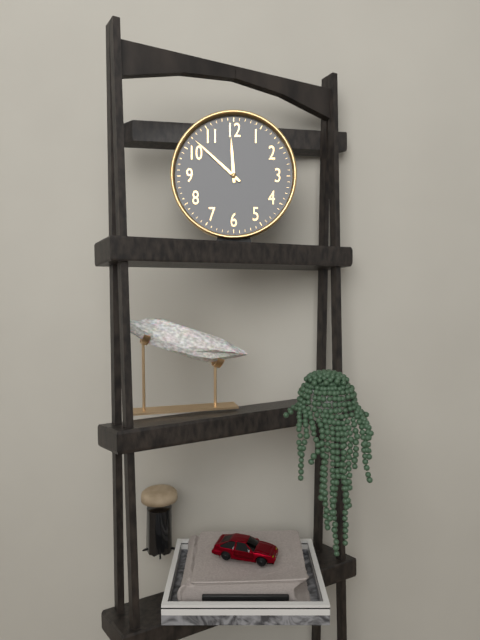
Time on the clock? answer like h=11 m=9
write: h=11 m=52
